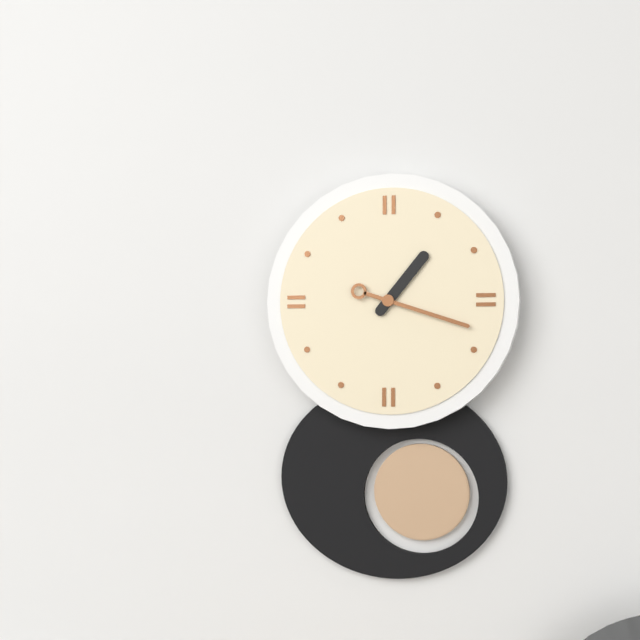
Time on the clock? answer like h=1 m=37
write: h=1 m=18
